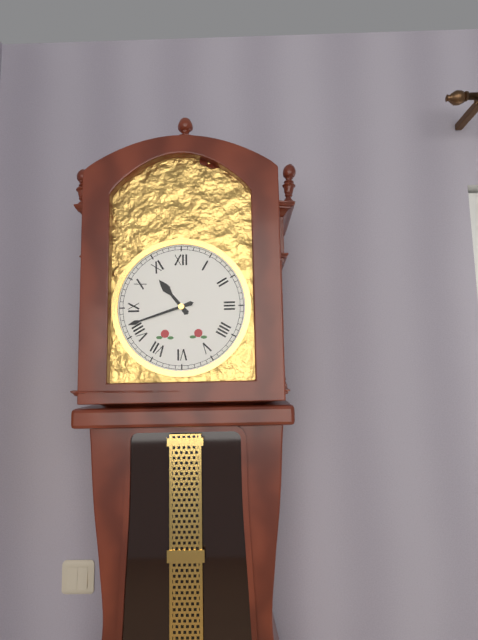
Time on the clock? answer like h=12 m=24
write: h=10 m=42
